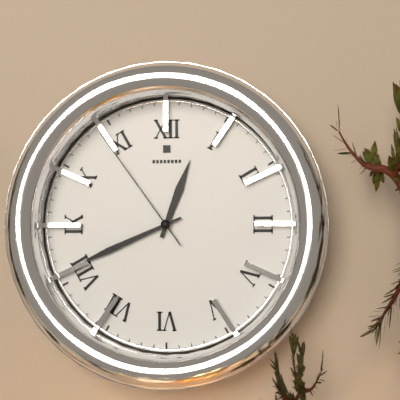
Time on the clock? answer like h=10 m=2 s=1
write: h=12 m=41 s=54
